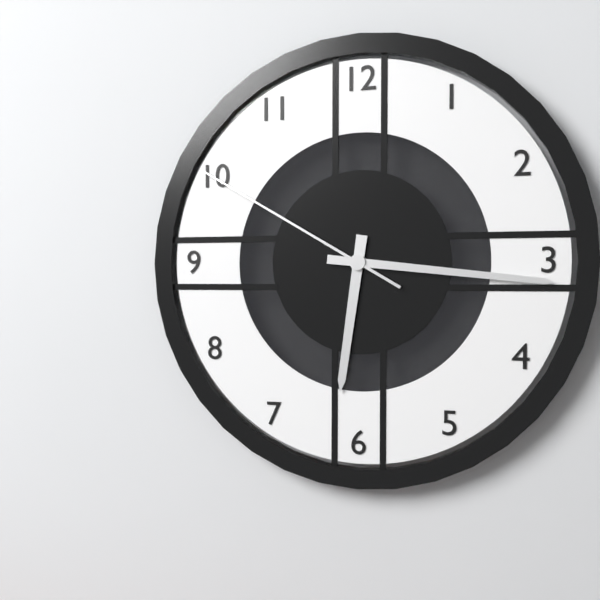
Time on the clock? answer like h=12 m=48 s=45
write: h=6 m=16 s=50
